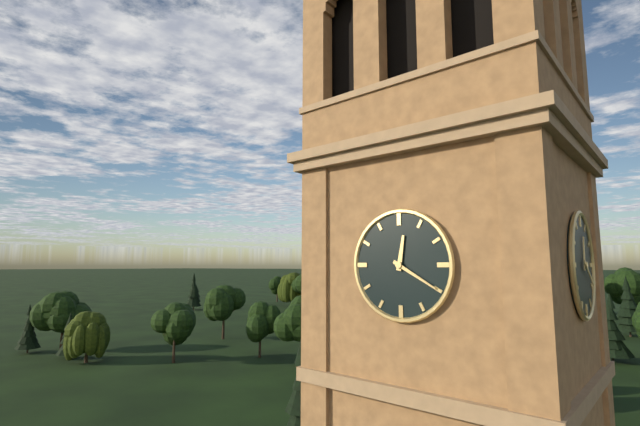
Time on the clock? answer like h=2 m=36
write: h=12 m=20
